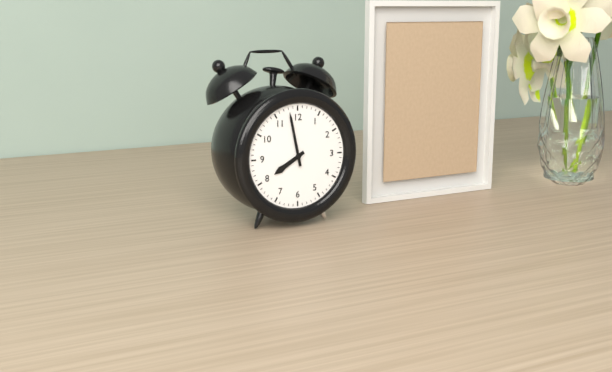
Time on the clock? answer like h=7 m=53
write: h=7 m=58
